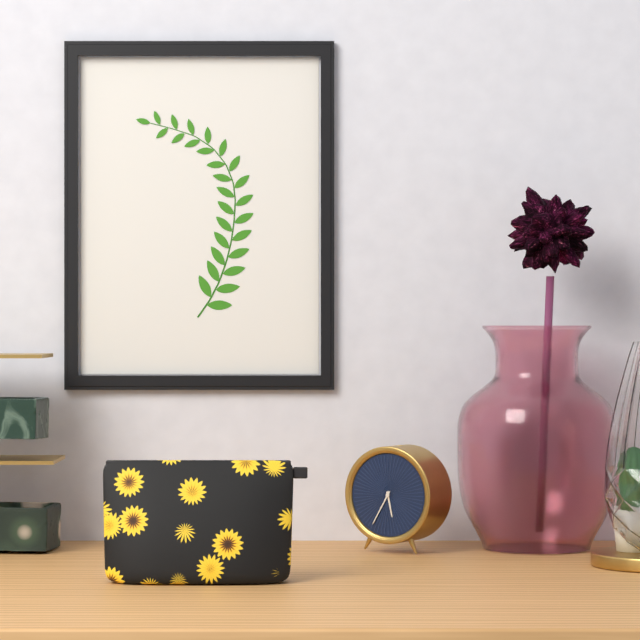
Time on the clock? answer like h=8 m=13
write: h=5 m=35
